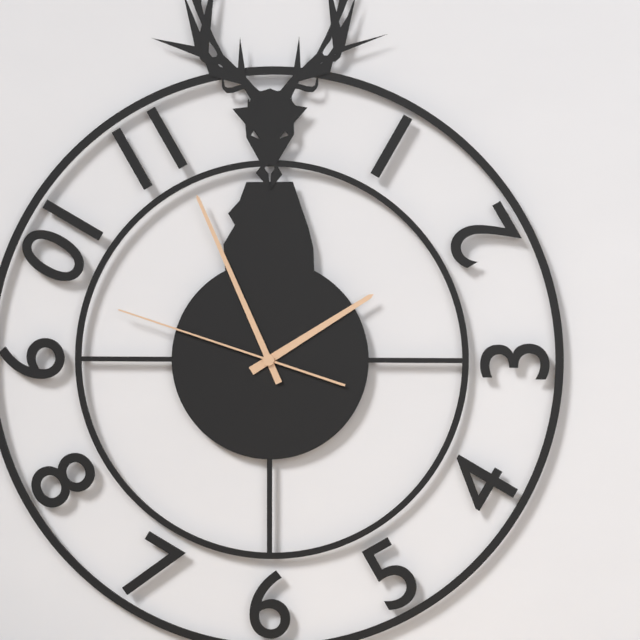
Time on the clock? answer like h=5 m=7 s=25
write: h=1 m=56 s=48
